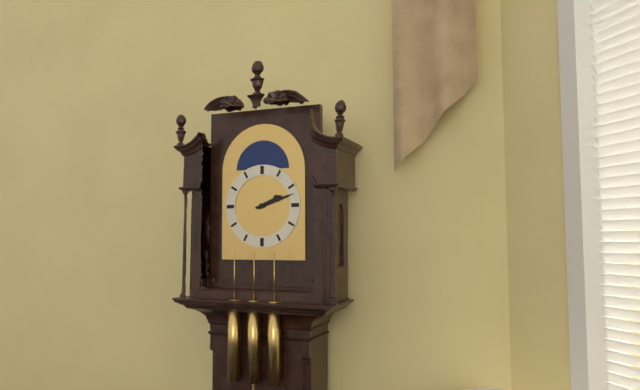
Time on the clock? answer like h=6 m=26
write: h=2 m=12
